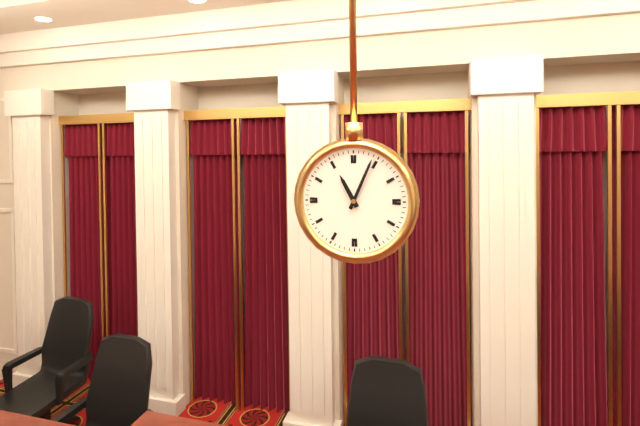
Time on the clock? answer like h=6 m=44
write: h=11 m=4
